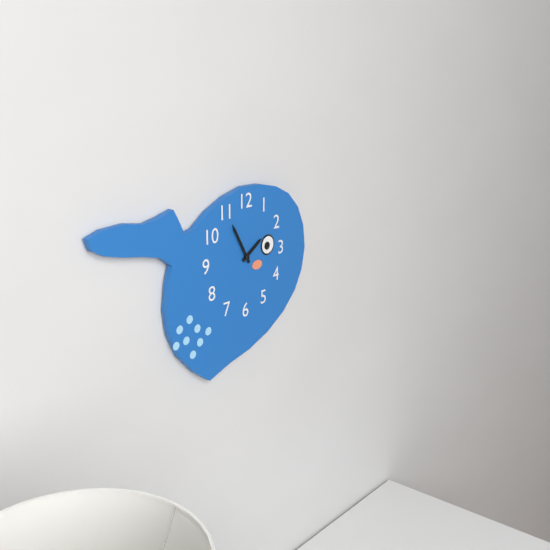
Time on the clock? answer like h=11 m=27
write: h=1 m=55
